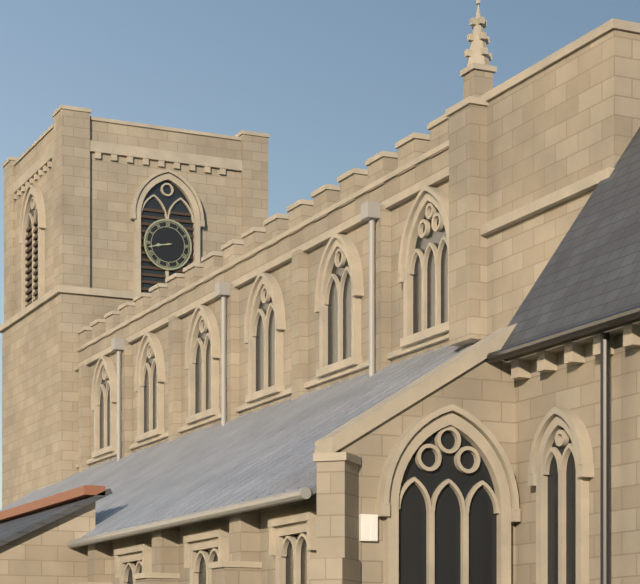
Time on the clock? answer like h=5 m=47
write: h=8 m=43
